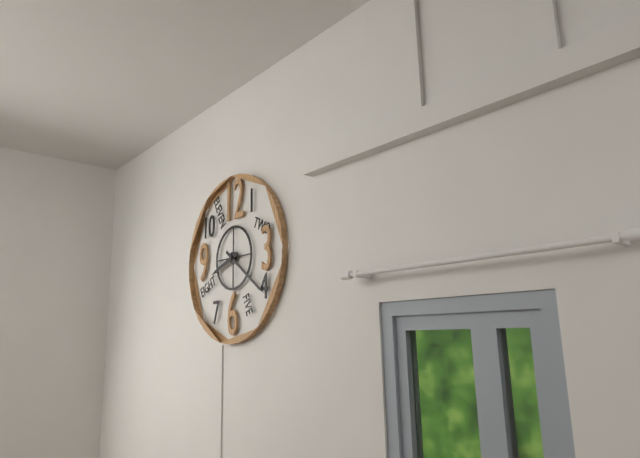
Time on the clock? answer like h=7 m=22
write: h=8 m=21
